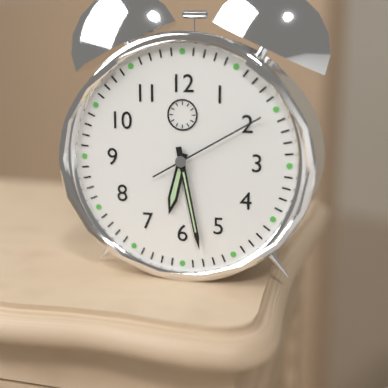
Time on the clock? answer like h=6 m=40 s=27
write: h=6 m=28 s=10
